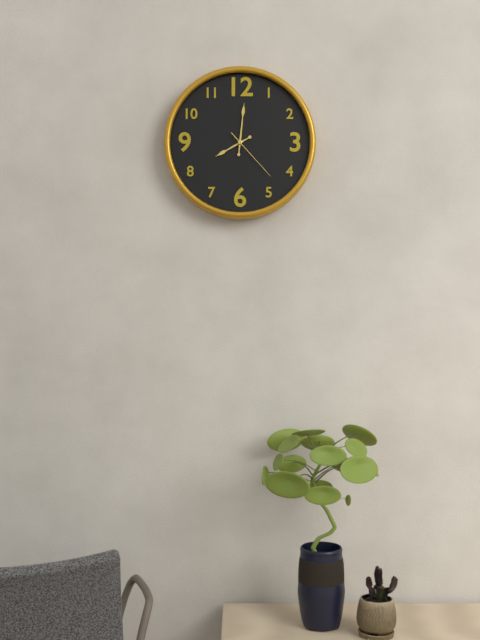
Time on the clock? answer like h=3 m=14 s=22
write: h=8 m=1 s=23
